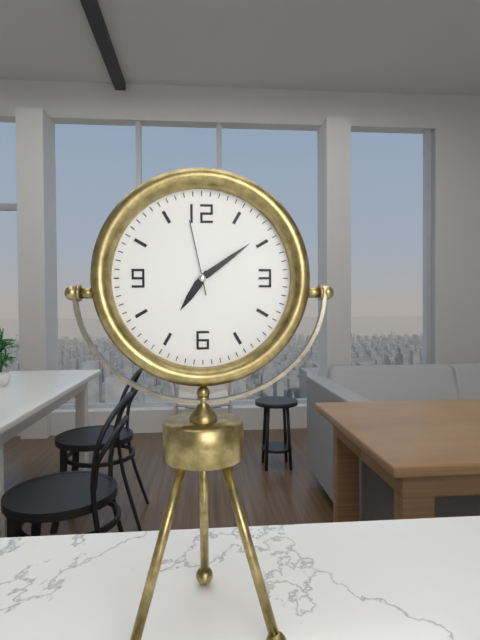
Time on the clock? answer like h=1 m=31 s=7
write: h=7 m=9 s=58
